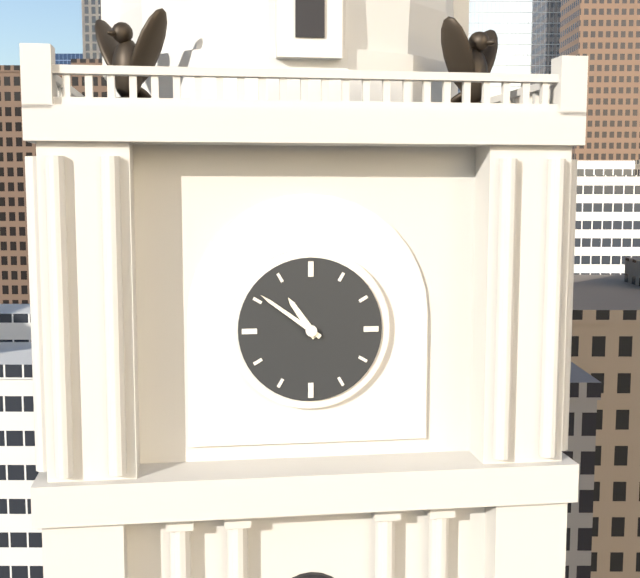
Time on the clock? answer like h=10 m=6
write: h=10 m=51
